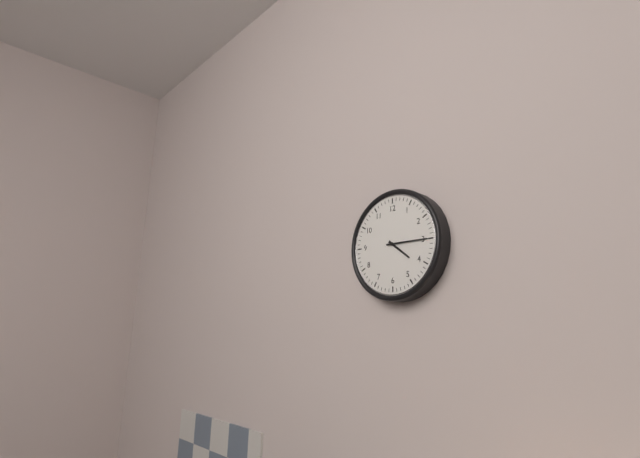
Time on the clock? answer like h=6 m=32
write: h=4 m=15
